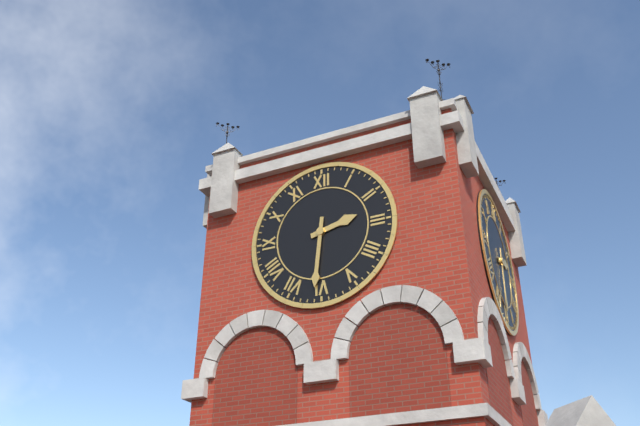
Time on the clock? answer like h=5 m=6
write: h=2 m=31
